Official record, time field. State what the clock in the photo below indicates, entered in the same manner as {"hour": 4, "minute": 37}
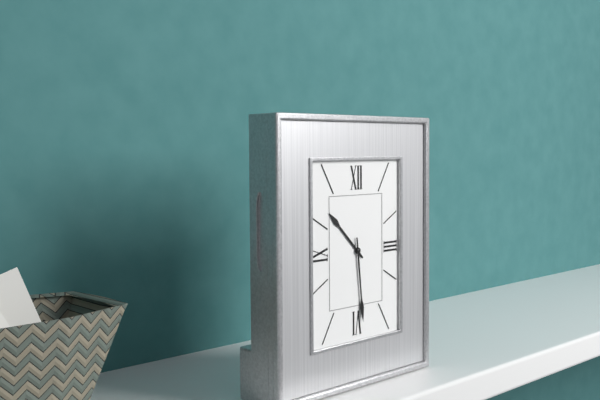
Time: {"hour": 10, "minute": 29}
